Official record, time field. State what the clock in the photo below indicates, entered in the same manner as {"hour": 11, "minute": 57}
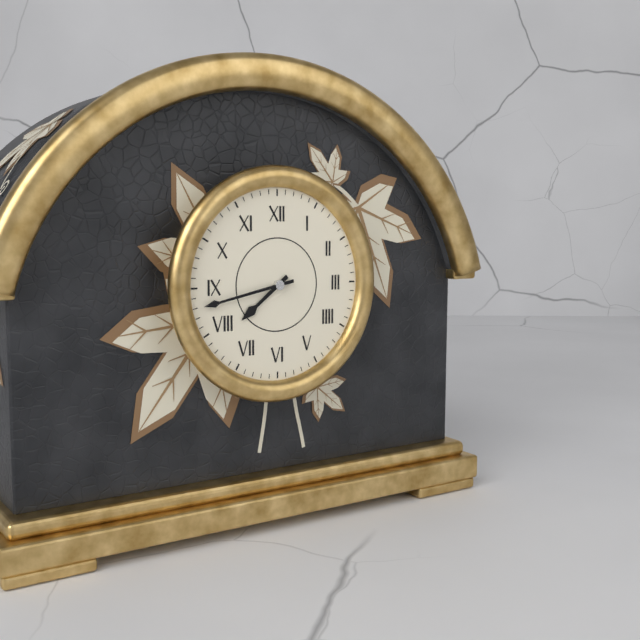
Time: {"hour": 7, "minute": 43}
